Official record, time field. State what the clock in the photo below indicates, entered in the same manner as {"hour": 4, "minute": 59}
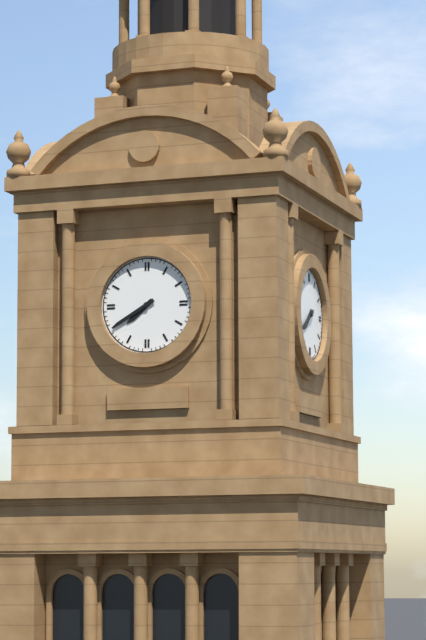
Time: {"hour": 7, "minute": 40}
